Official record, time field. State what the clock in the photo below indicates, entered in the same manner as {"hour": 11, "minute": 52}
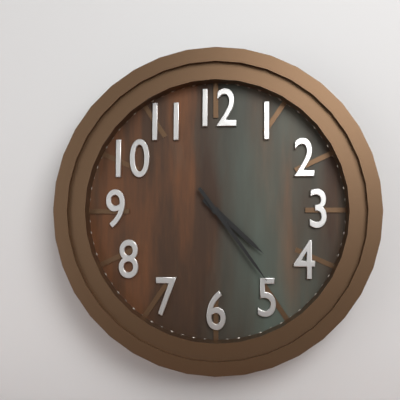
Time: {"hour": 4, "minute": 24}
